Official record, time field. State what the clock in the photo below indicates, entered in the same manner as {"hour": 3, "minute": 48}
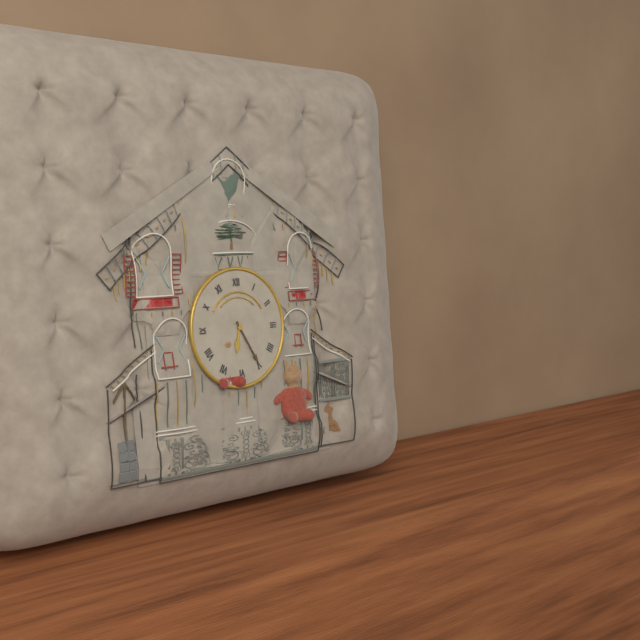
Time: {"hour": 6, "minute": 25}
